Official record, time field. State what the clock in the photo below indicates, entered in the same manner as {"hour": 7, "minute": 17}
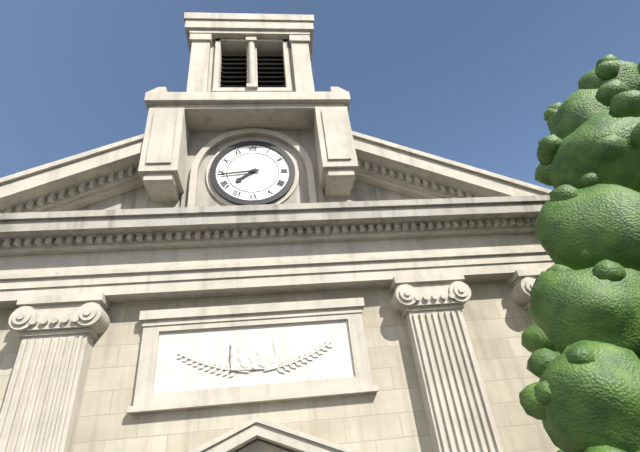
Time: {"hour": 7, "minute": 44}
